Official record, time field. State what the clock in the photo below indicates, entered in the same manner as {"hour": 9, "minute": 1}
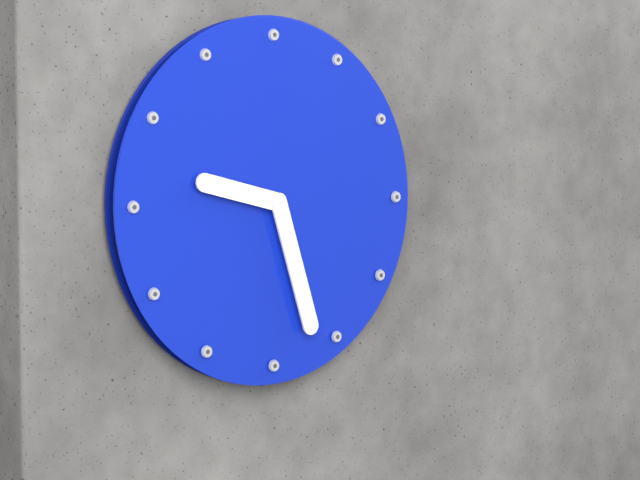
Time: {"hour": 9, "minute": 27}
